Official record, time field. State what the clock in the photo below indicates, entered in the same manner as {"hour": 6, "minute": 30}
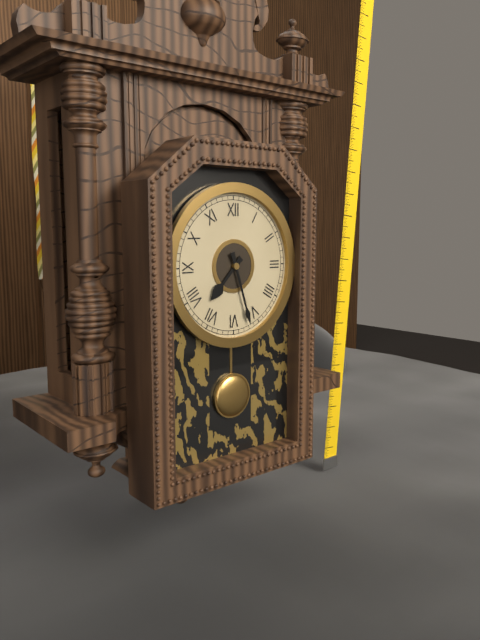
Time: {"hour": 7, "minute": 27}
